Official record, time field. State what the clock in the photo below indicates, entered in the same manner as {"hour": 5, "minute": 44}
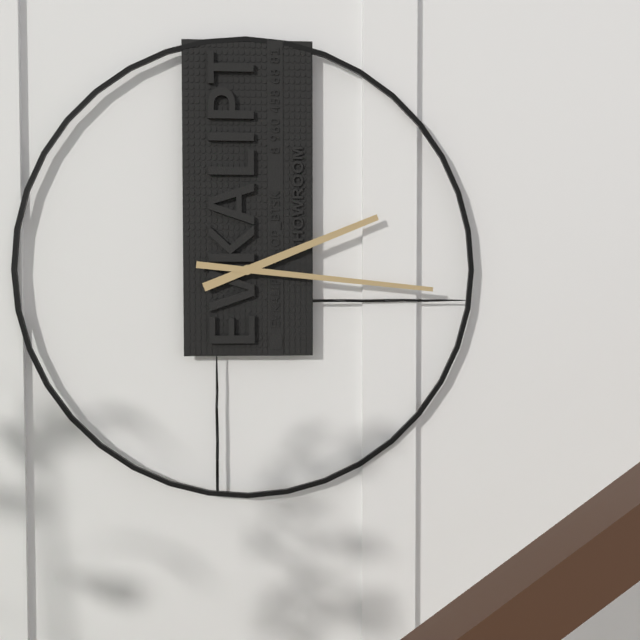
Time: {"hour": 2, "minute": 16}
